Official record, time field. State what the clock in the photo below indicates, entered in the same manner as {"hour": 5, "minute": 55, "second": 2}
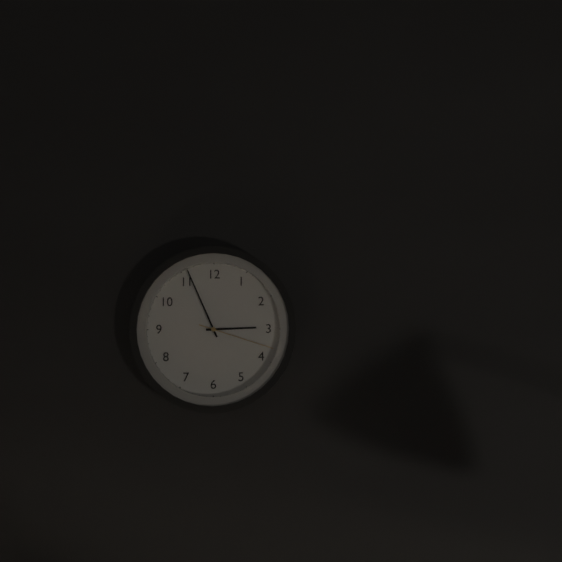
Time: {"hour": 2, "minute": 56, "second": 18}
